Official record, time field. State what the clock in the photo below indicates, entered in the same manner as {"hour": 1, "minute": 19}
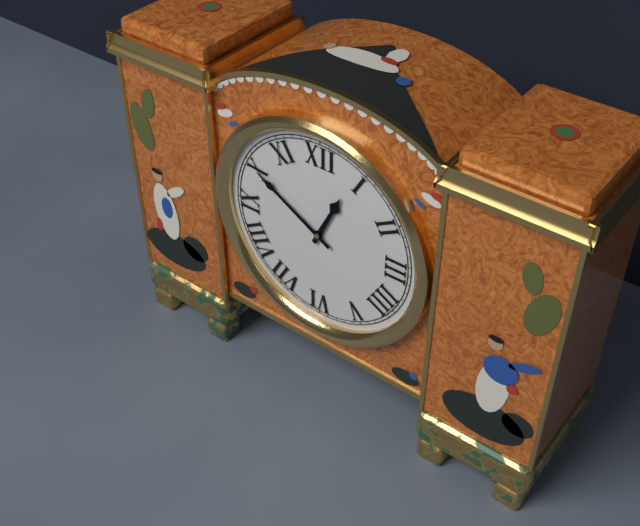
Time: {"hour": 12, "minute": 50}
